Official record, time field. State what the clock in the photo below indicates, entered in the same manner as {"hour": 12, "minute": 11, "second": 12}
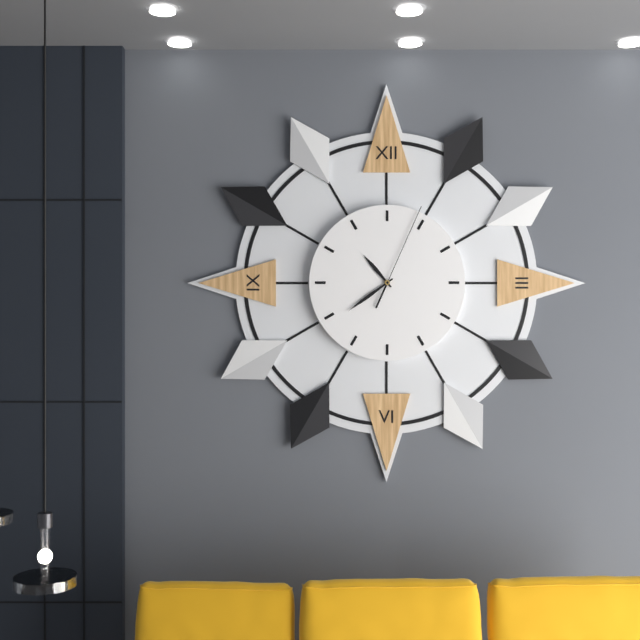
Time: {"hour": 10, "minute": 39, "second": 4}
